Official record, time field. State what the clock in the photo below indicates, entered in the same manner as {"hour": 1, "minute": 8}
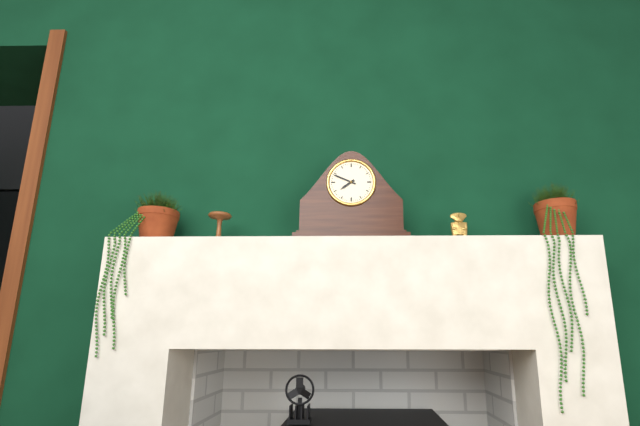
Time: {"hour": 7, "minute": 49}
